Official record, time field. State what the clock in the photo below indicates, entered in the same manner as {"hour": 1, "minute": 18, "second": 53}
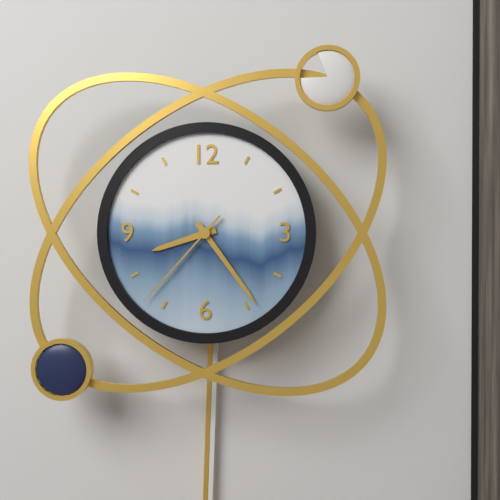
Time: {"hour": 8, "minute": 24, "second": 37}
